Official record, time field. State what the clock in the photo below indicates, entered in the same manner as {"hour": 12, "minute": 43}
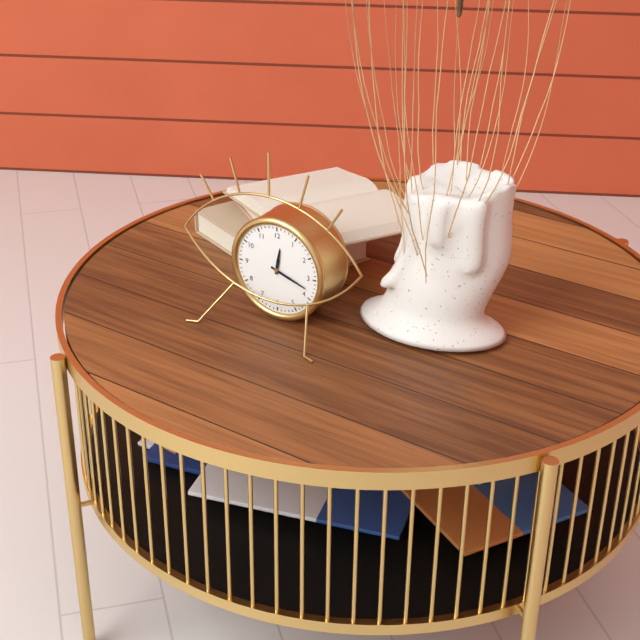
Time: {"hour": 12, "minute": 18}
